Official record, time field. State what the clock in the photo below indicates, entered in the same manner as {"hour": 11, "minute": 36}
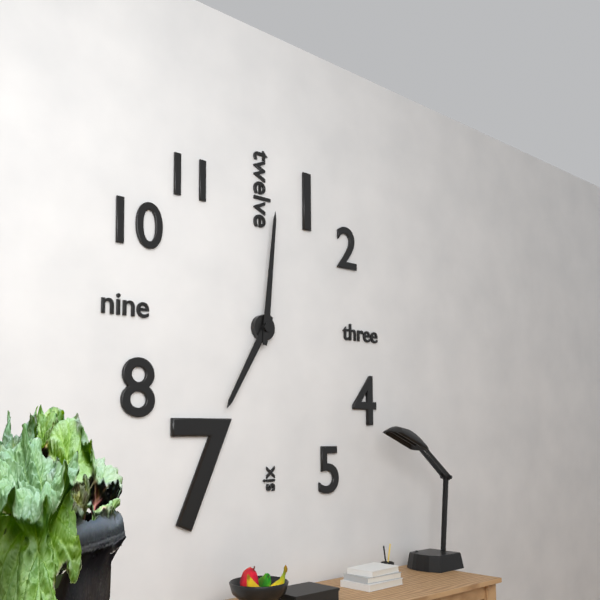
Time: {"hour": 7, "minute": 1}
